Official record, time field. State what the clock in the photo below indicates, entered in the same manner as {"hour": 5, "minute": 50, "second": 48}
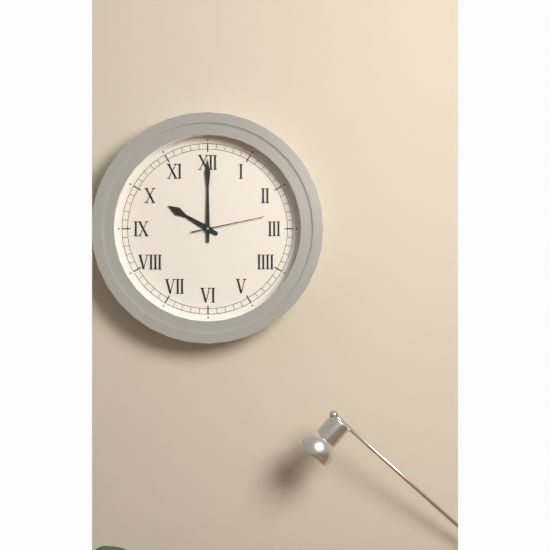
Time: {"hour": 10, "minute": 0, "second": 13}
